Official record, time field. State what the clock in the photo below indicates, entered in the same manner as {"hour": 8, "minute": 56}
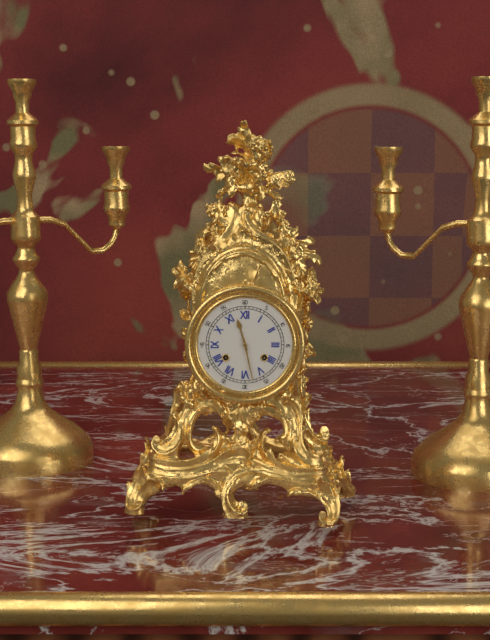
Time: {"hour": 11, "minute": 28}
